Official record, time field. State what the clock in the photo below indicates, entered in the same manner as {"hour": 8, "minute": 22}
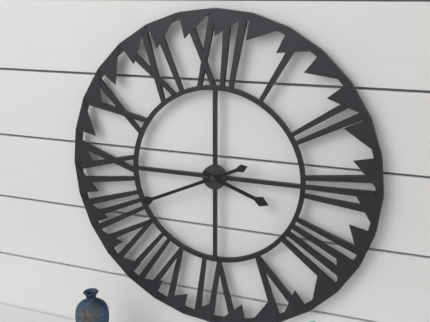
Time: {"hour": 3, "minute": 41}
